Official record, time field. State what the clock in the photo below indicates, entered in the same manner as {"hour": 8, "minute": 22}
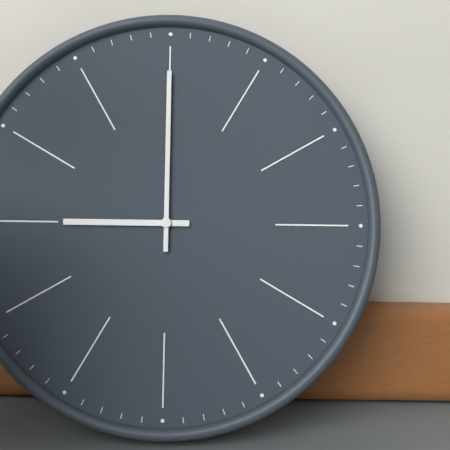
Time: {"hour": 9, "minute": 0}
